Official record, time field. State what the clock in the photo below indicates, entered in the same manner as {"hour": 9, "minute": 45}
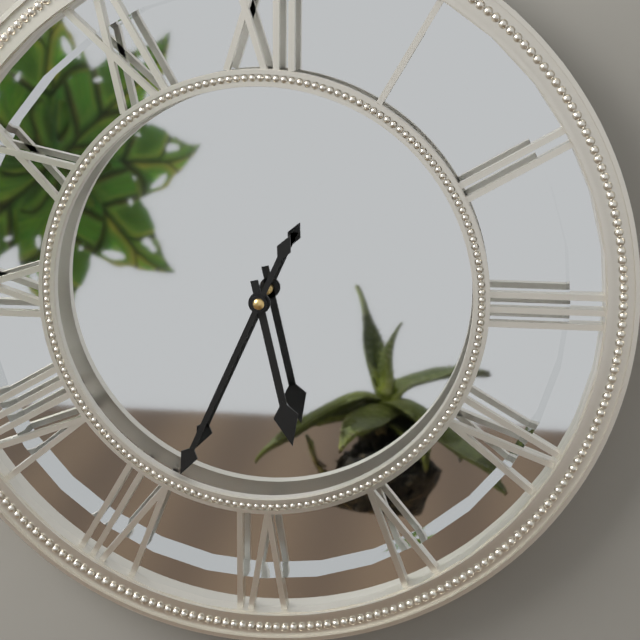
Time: {"hour": 5, "minute": 34}
